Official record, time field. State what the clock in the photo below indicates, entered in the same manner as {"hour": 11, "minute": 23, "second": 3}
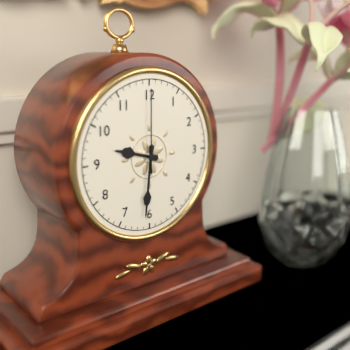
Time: {"hour": 9, "minute": 31, "second": 0}
